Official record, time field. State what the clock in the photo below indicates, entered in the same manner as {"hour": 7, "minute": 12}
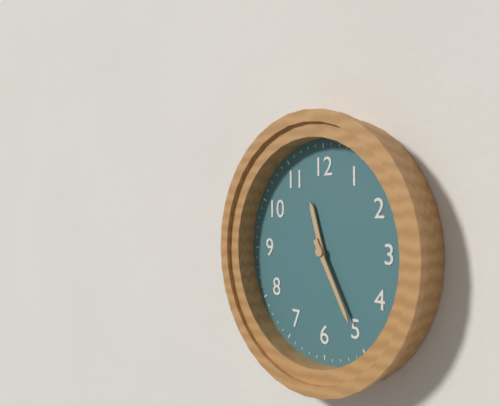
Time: {"hour": 11, "minute": 25}
